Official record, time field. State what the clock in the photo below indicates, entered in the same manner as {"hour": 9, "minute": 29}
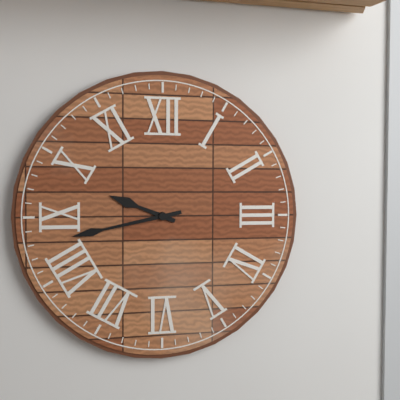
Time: {"hour": 9, "minute": 43}
